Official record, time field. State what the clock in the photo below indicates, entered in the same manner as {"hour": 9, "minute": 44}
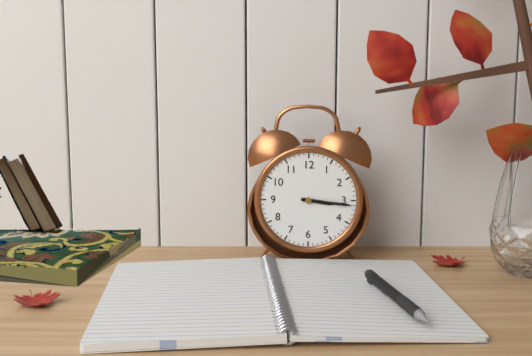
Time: {"hour": 3, "minute": 16}
